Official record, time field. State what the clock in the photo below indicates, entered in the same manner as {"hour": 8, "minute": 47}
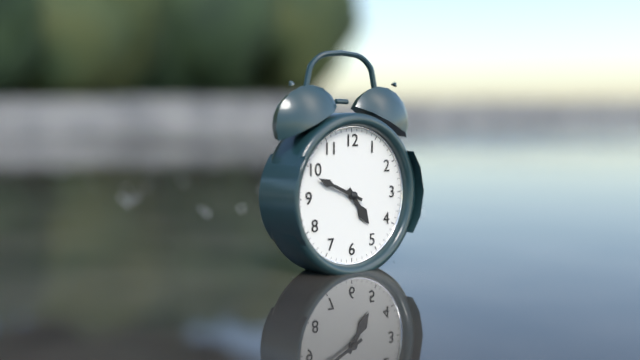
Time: {"hour": 4, "minute": 49}
